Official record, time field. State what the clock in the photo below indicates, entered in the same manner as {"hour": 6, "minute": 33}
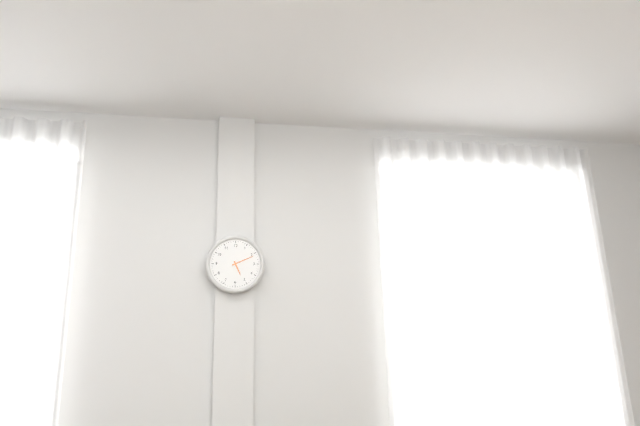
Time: {"hour": 5, "minute": 11}
